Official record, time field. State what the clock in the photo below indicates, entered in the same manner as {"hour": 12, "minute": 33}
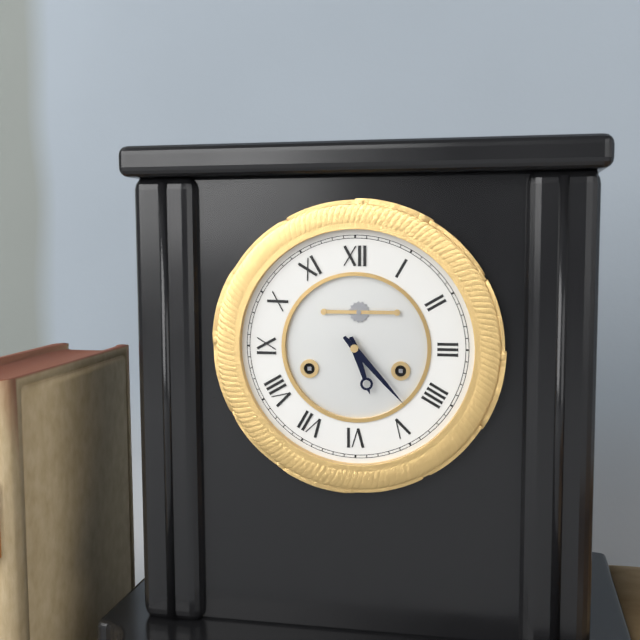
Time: {"hour": 5, "minute": 23}
